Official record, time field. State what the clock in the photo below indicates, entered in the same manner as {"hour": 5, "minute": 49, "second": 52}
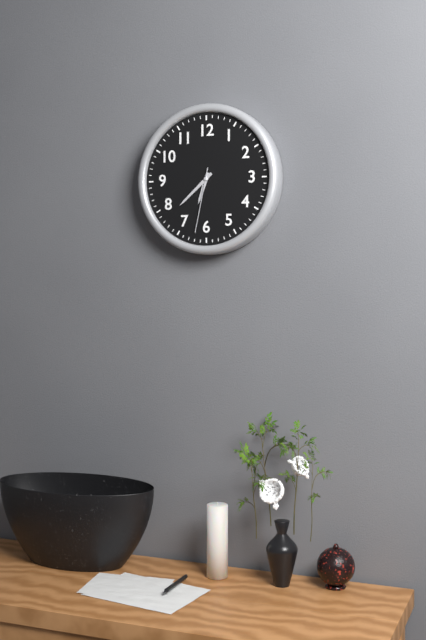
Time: {"hour": 6, "minute": 38, "second": 32}
